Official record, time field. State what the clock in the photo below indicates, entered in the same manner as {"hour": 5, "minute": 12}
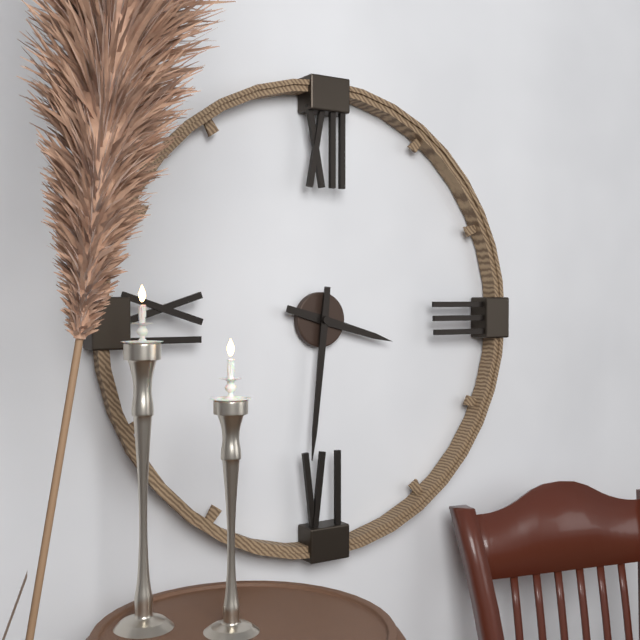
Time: {"hour": 3, "minute": 31}
